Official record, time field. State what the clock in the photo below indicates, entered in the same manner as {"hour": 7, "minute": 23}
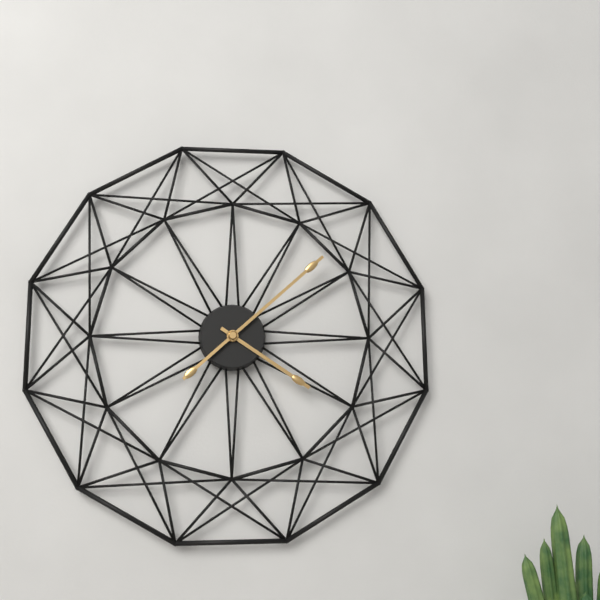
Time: {"hour": 4, "minute": 8}
